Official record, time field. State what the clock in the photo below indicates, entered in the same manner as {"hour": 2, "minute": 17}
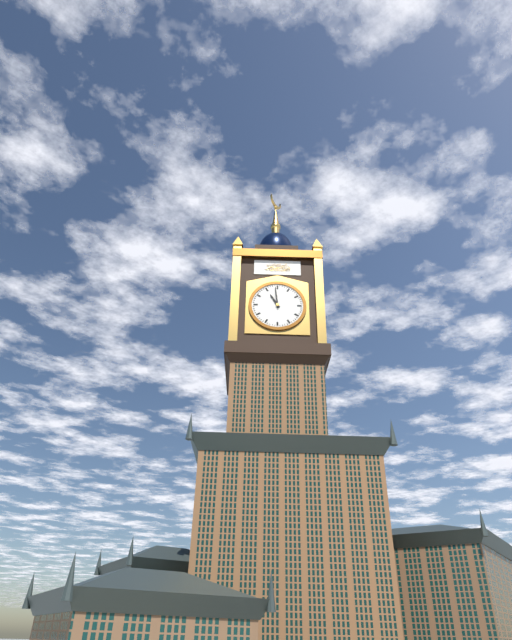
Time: {"hour": 10, "minute": 59}
